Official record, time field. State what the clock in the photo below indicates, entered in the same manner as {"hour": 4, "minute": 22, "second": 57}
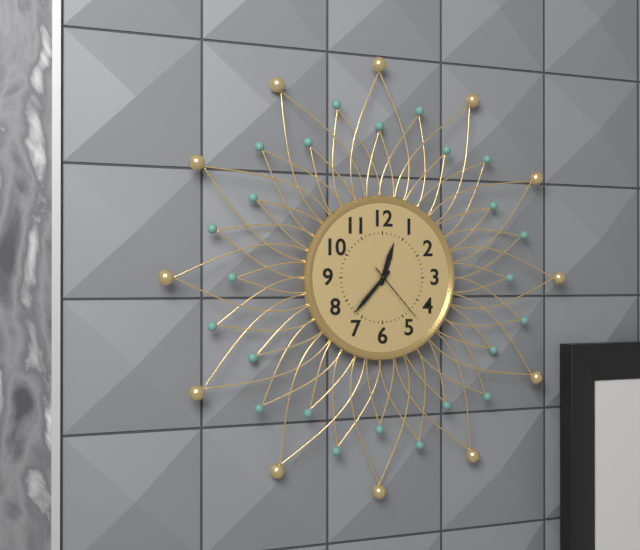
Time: {"hour": 12, "minute": 37, "second": 23}
